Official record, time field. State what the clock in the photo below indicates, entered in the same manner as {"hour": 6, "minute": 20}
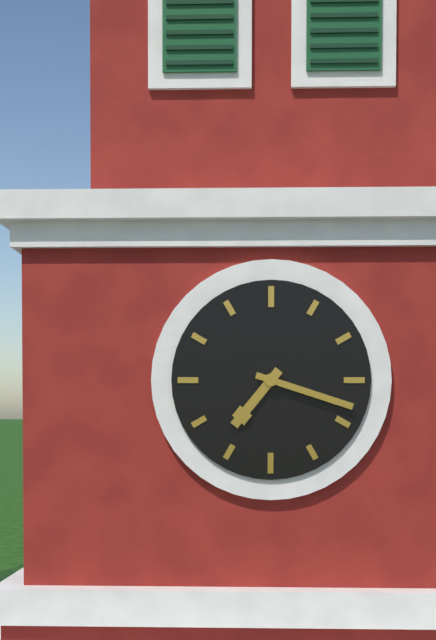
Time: {"hour": 7, "minute": 18}
